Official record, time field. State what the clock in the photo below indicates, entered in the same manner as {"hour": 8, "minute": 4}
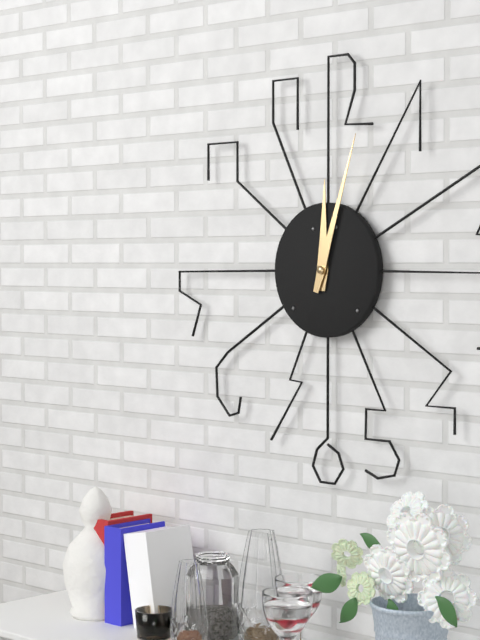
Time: {"hour": 12, "minute": 3}
